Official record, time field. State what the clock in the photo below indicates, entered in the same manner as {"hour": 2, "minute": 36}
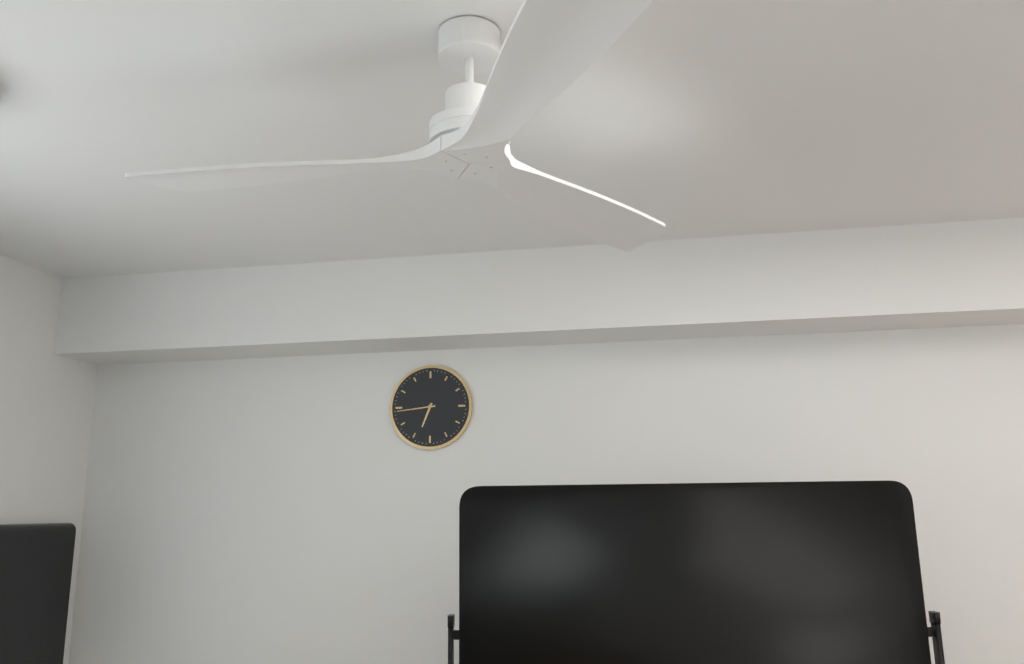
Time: {"hour": 6, "minute": 44}
